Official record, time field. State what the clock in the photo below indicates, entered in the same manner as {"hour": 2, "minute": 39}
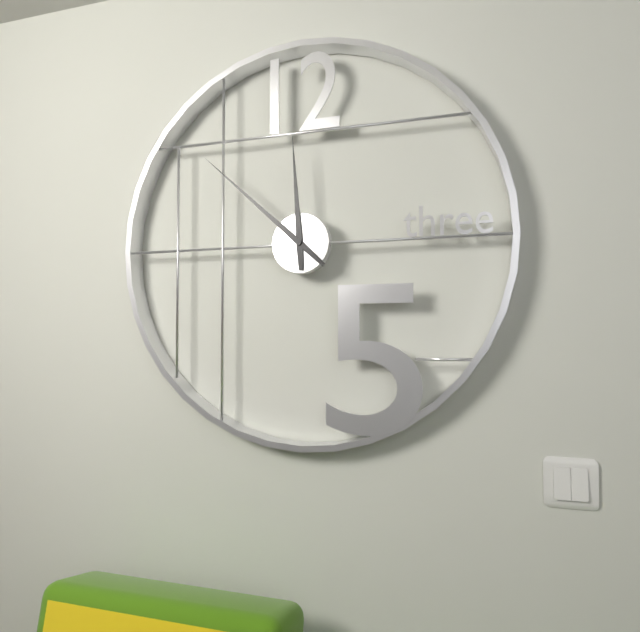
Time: {"hour": 11, "minute": 52}
